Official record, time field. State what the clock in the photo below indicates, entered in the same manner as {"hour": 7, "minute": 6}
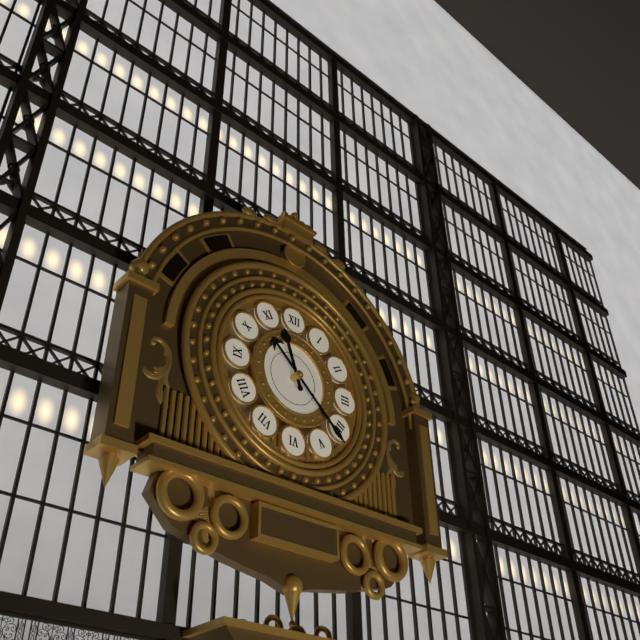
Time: {"hour": 11, "minute": 22}
